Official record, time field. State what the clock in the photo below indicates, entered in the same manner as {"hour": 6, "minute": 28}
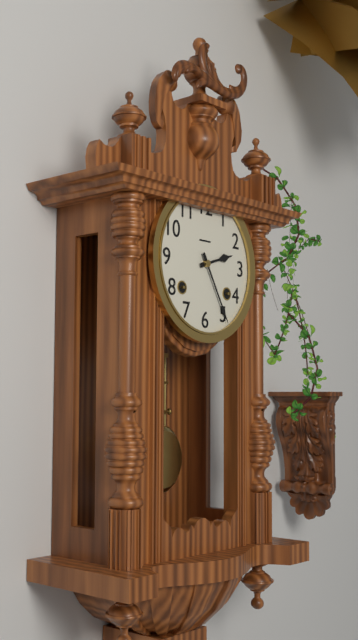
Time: {"hour": 2, "minute": 25}
